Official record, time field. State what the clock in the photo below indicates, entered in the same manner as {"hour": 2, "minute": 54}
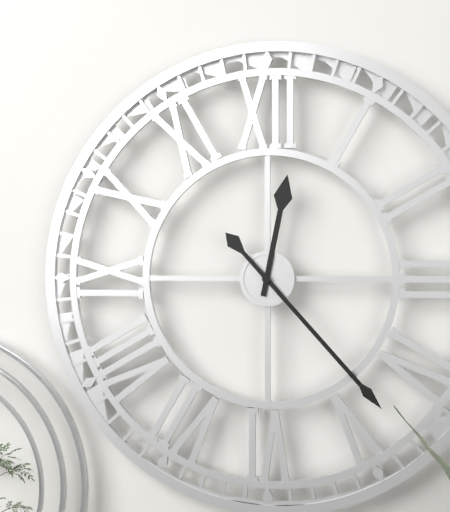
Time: {"hour": 12, "minute": 23}
